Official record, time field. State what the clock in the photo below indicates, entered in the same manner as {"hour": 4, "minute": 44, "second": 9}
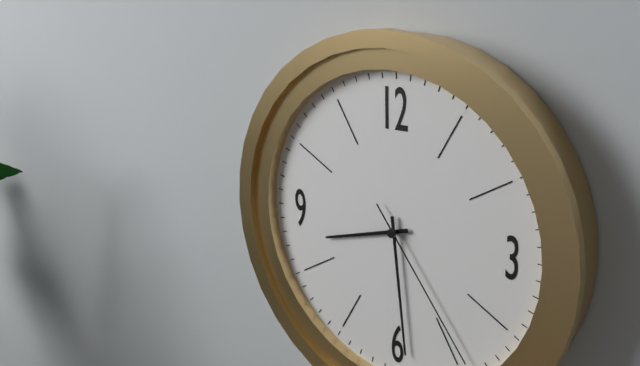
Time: {"hour": 8, "minute": 29, "second": 24}
